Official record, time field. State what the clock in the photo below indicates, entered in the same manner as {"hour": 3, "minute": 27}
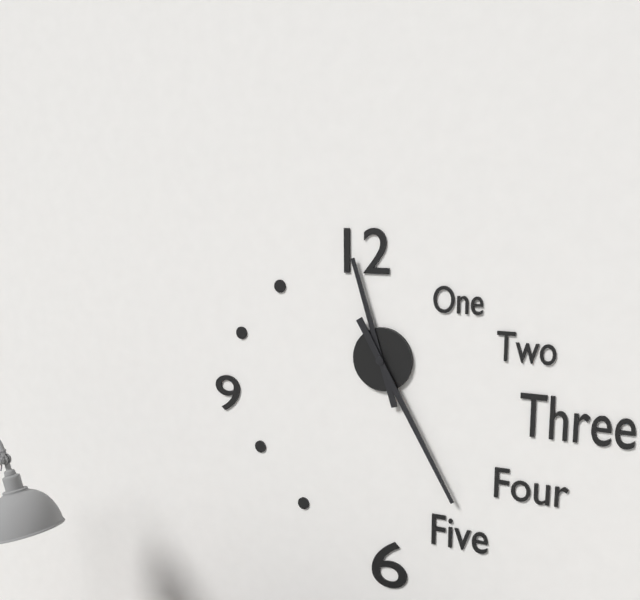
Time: {"hour": 11, "minute": 25}
